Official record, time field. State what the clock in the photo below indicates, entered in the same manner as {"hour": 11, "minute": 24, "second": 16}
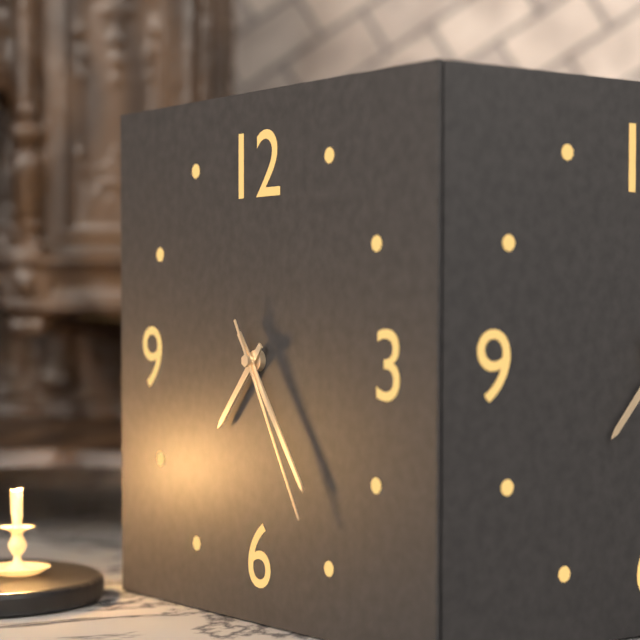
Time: {"hour": 7, "minute": 24, "second": 25}
